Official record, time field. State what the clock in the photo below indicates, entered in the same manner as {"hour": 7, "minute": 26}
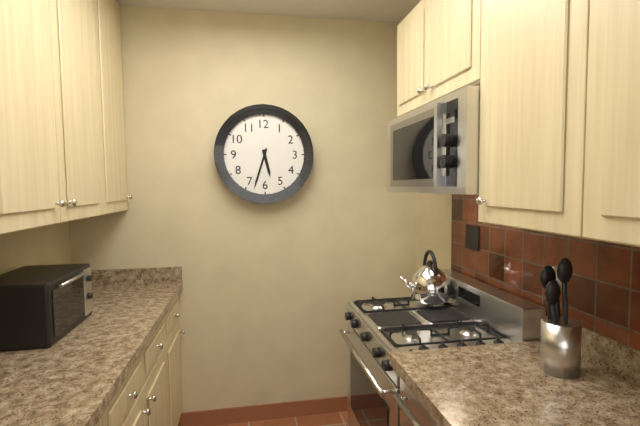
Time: {"hour": 5, "minute": 33}
